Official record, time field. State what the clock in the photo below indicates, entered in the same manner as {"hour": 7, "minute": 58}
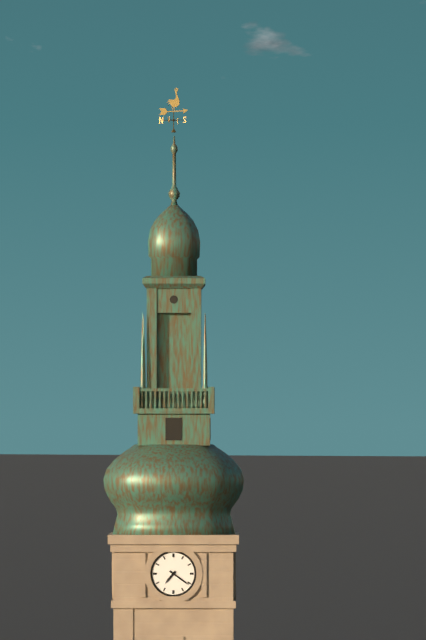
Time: {"hour": 7, "minute": 21}
